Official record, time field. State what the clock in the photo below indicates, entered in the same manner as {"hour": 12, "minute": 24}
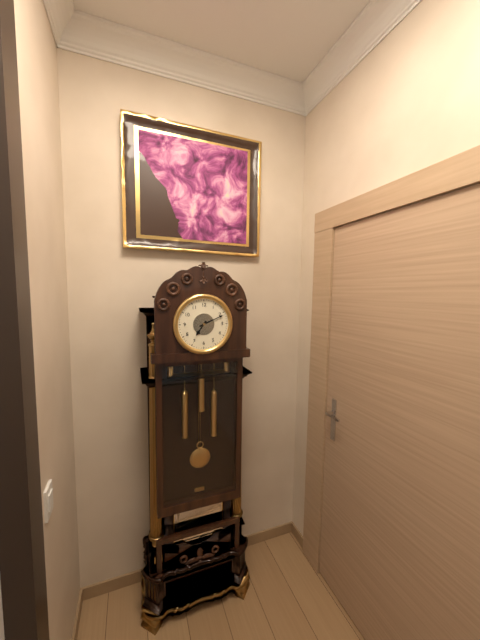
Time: {"hour": 7, "minute": 11}
